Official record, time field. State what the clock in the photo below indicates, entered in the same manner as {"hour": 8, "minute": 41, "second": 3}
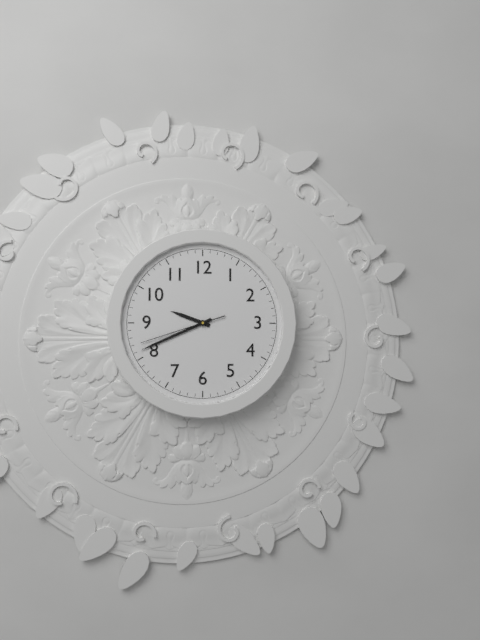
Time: {"hour": 9, "minute": 41, "second": 42}
